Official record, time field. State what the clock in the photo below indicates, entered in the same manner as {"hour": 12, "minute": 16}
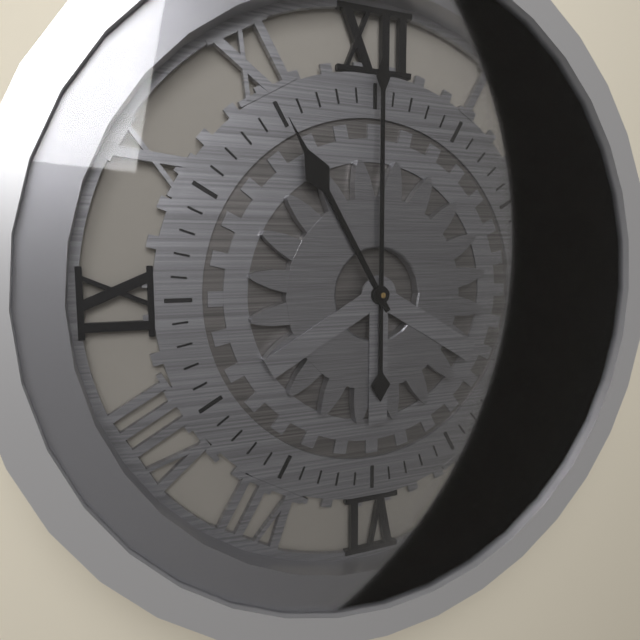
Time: {"hour": 11, "minute": 0}
